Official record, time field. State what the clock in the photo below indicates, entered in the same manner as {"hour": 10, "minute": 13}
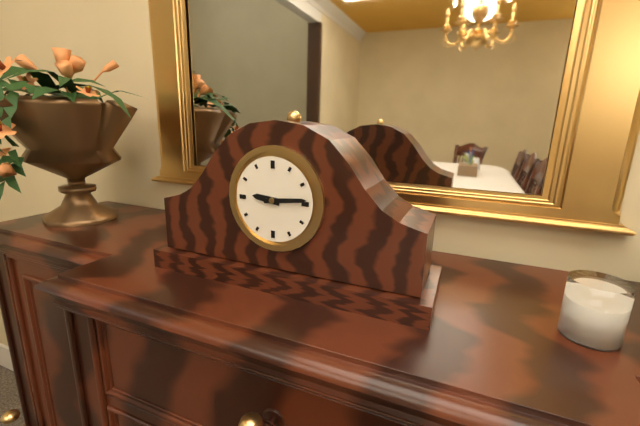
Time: {"hour": 9, "minute": 14}
